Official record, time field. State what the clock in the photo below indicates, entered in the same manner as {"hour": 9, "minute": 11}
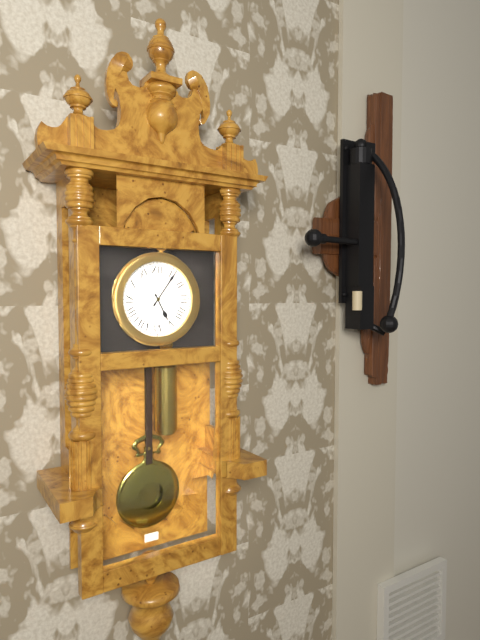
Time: {"hour": 5, "minute": 6}
